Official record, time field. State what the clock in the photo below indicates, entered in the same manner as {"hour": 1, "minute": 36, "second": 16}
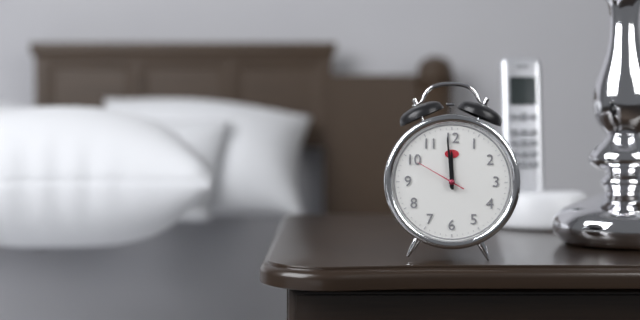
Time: {"hour": 11, "minute": 59, "second": 50}
